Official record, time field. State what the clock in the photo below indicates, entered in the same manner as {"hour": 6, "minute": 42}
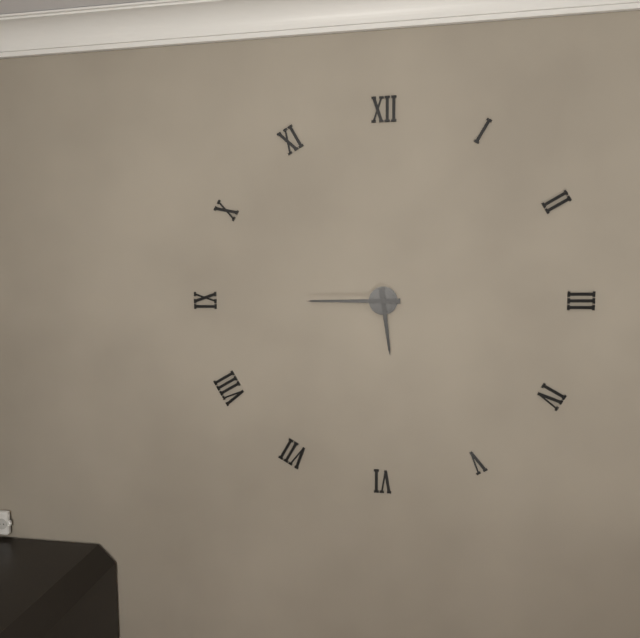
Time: {"hour": 5, "minute": 45}
